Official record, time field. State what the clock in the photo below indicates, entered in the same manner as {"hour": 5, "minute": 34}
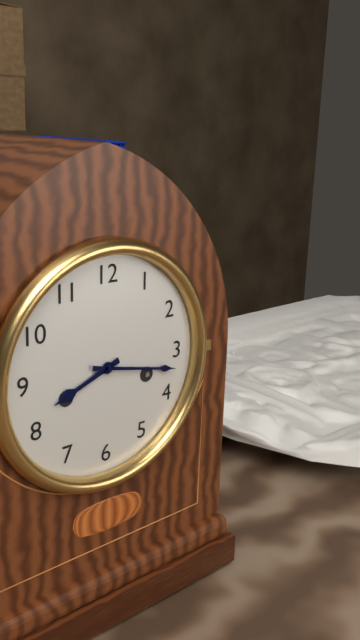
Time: {"hour": 8, "minute": 17}
